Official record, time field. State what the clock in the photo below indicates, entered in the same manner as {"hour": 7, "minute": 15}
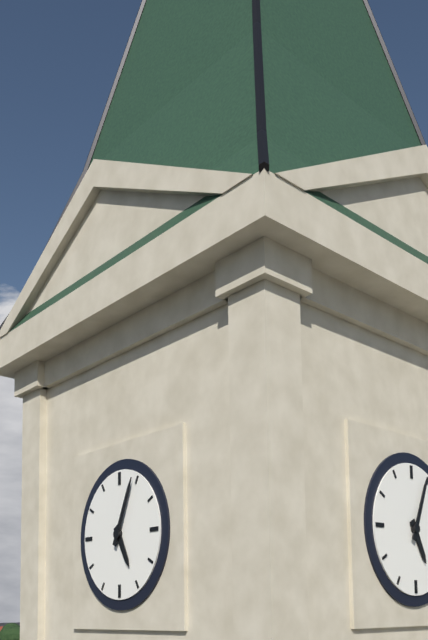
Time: {"hour": 5, "minute": 4}
